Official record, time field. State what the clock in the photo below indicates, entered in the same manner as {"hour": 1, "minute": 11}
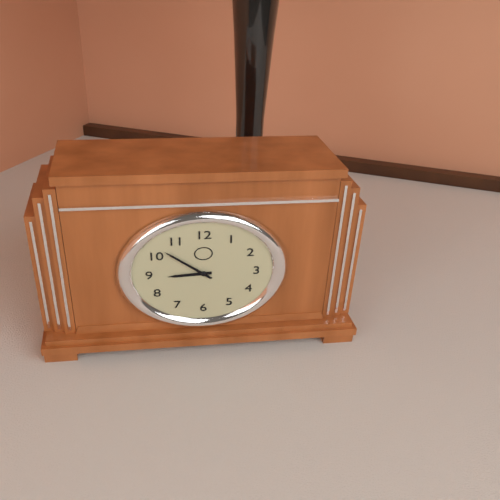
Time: {"hour": 8, "minute": 52}
